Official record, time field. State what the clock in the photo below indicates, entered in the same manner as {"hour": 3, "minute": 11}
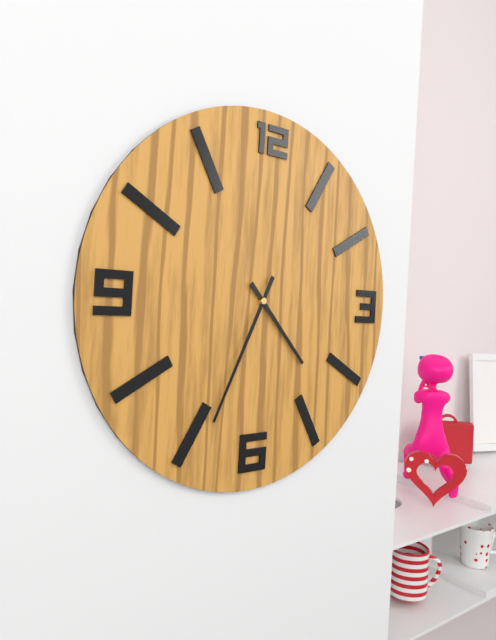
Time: {"hour": 4, "minute": 34}
